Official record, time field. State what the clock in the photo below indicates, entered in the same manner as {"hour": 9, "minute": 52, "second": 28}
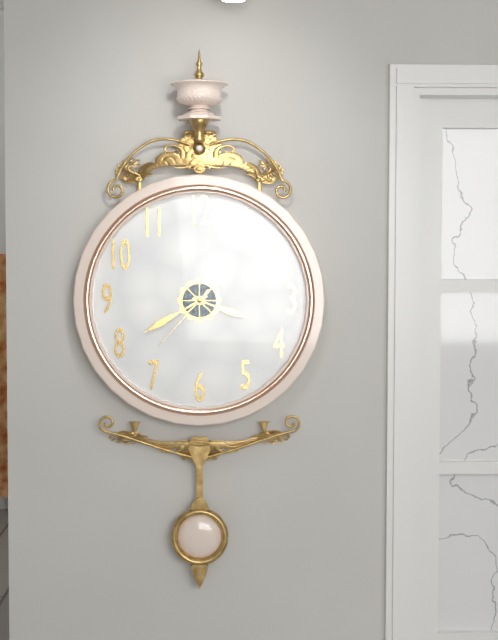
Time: {"hour": 3, "minute": 40, "second": 37}
